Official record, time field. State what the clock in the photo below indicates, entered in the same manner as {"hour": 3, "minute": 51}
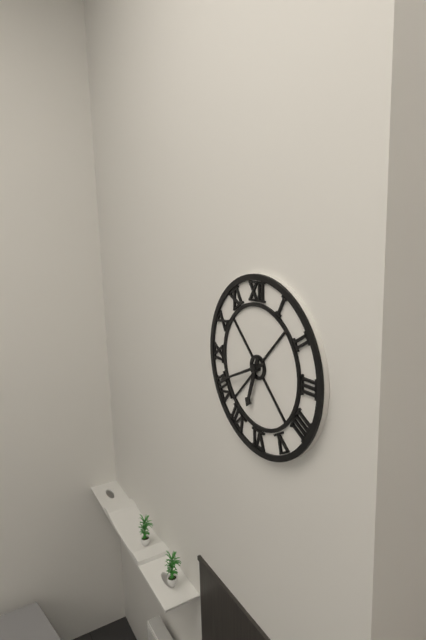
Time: {"hour": 6, "minute": 41}
